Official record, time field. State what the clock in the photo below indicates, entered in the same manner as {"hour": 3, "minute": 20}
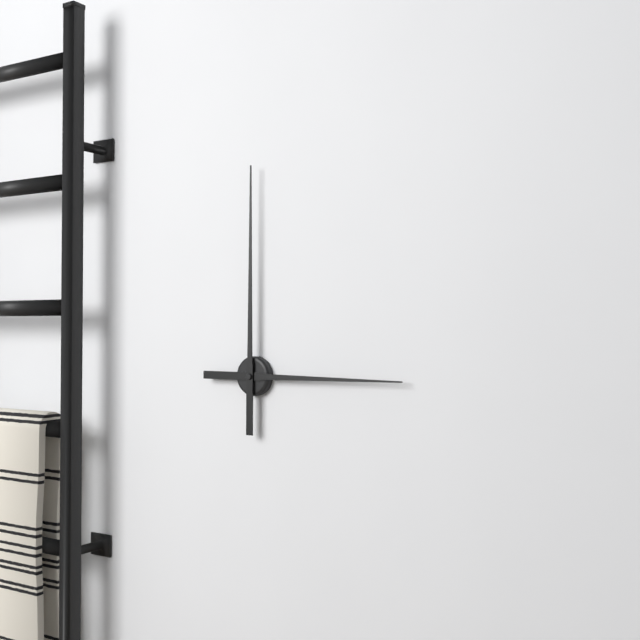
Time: {"hour": 3, "minute": 0}
